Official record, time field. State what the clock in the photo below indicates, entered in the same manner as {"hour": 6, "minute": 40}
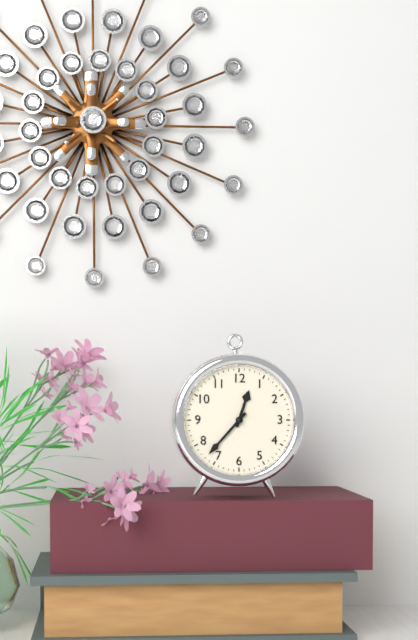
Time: {"hour": 12, "minute": 37}
